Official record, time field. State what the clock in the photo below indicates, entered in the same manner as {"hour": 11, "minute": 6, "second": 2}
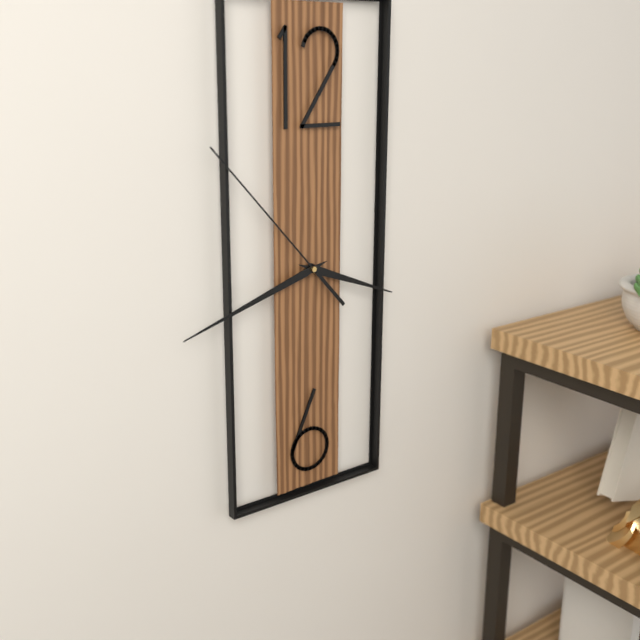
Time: {"hour": 3, "minute": 42, "second": 53}
